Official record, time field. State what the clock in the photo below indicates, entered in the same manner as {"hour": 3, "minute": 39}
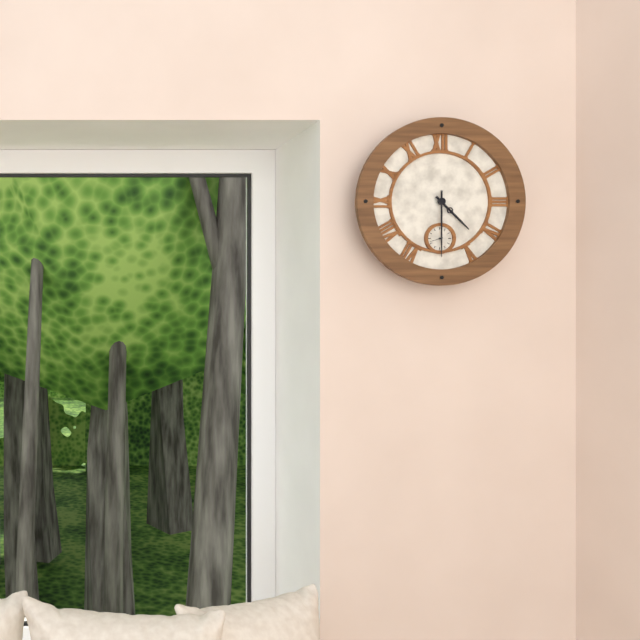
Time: {"hour": 4, "minute": 30}
